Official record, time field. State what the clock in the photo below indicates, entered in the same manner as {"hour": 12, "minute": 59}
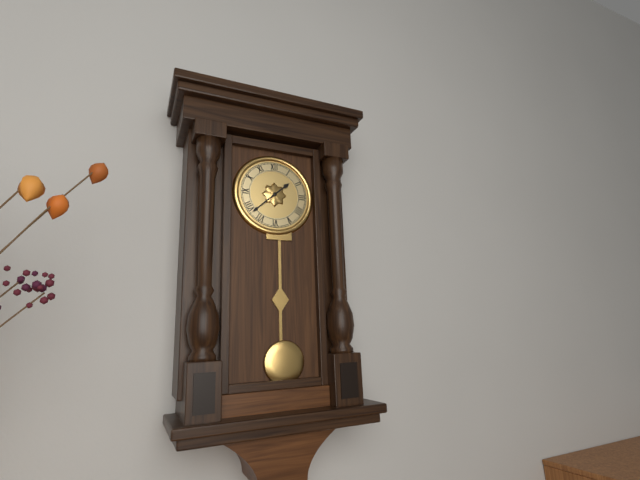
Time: {"hour": 1, "minute": 38}
